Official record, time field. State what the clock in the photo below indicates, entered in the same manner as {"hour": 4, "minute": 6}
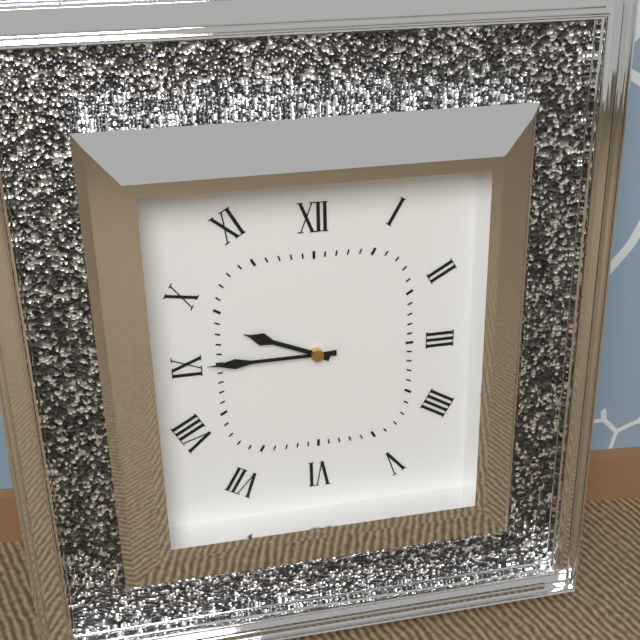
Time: {"hour": 9, "minute": 45}
